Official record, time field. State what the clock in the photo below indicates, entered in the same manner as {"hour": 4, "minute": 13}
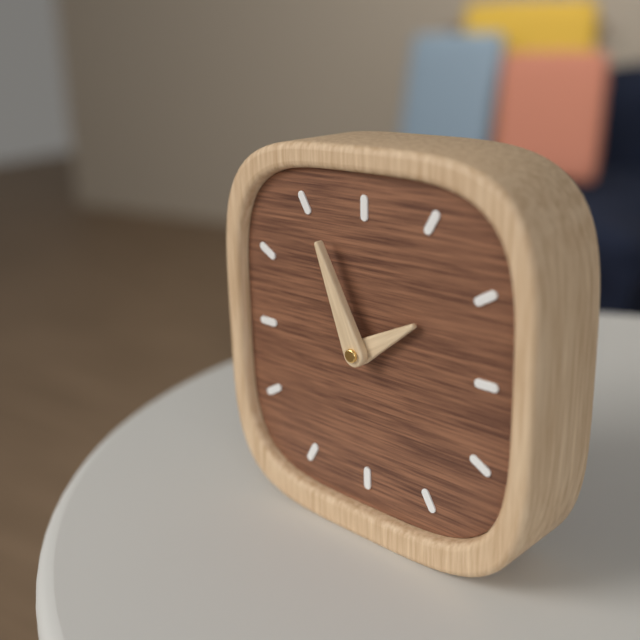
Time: {"hour": 1, "minute": 56}
